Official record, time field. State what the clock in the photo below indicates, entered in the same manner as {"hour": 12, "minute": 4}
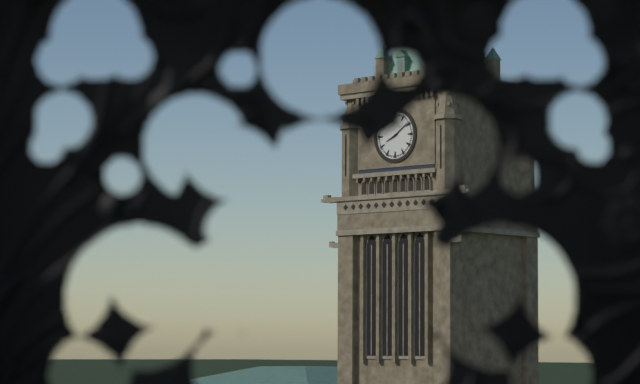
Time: {"hour": 8, "minute": 9}
